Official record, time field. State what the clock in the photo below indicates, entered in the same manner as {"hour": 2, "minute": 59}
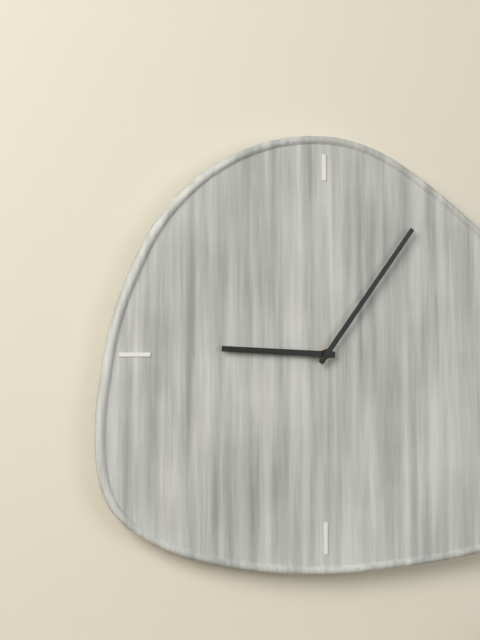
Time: {"hour": 9, "minute": 6}
